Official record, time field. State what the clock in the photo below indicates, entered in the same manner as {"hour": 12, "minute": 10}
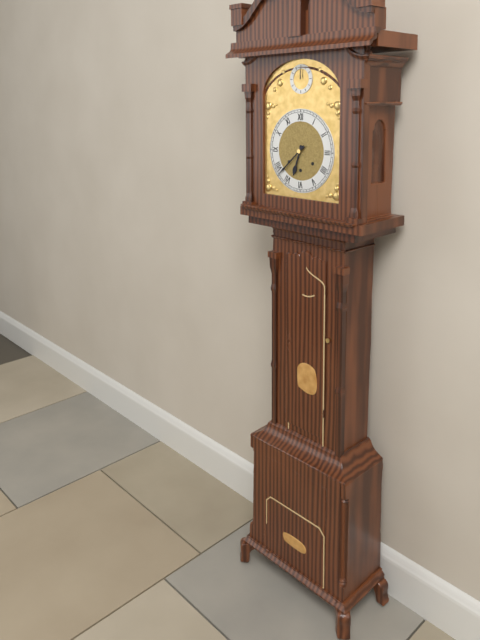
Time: {"hour": 6, "minute": 38}
